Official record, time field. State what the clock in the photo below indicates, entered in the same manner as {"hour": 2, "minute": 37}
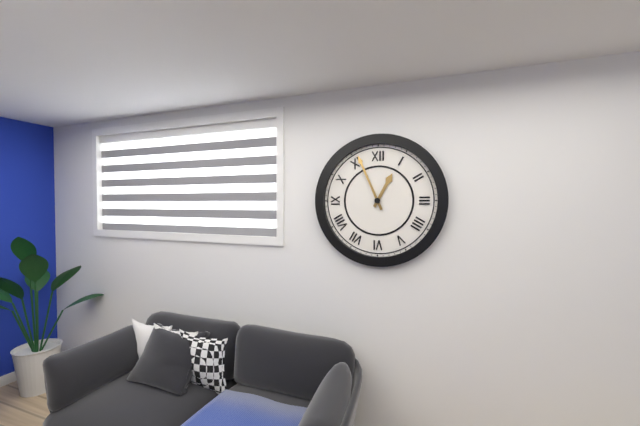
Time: {"hour": 12, "minute": 56}
